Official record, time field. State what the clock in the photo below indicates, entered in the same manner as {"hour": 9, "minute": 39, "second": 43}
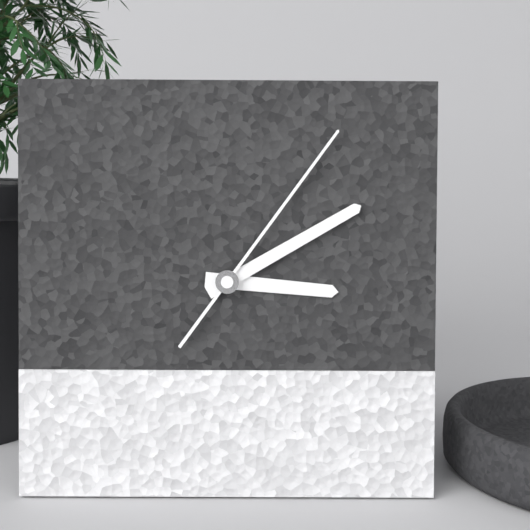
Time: {"hour": 3, "minute": 10, "second": 6}
